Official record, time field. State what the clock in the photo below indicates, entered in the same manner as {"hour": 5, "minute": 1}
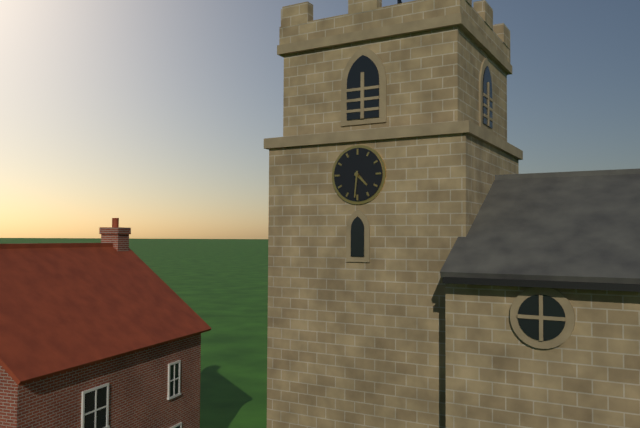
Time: {"hour": 4, "minute": 31}
